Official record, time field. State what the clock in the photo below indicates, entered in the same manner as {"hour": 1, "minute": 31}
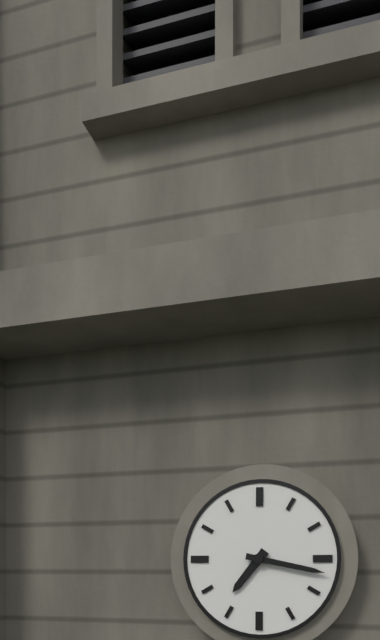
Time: {"hour": 7, "minute": 17}
